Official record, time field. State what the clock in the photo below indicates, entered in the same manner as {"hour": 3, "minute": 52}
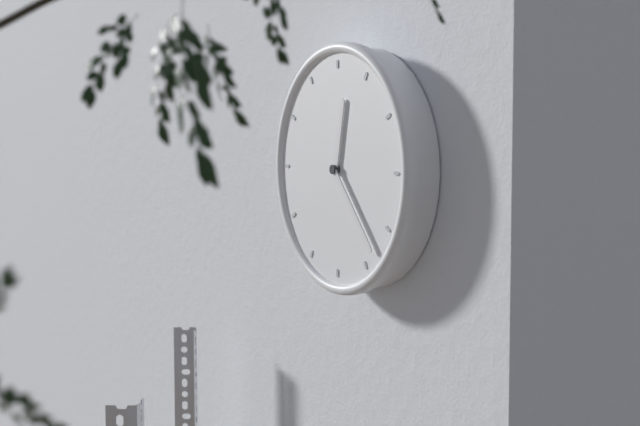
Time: {"hour": 12, "minute": 23}
